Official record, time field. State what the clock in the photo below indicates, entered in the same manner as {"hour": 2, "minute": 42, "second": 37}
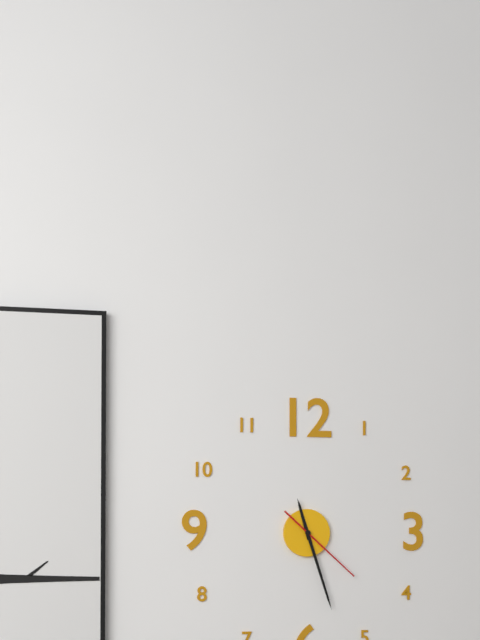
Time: {"hour": 11, "minute": 27, "second": 22}
